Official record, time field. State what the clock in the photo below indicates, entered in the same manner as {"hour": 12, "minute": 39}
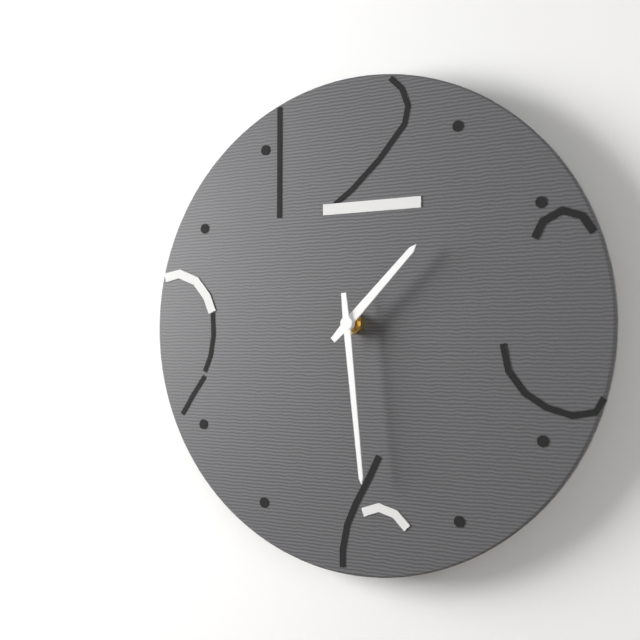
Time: {"hour": 1, "minute": 29}
